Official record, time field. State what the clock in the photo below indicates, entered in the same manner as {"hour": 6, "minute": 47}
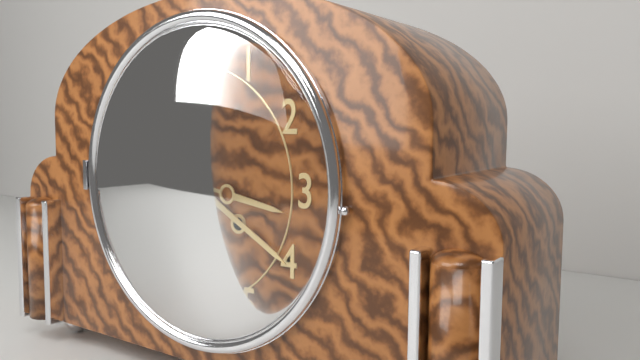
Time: {"hour": 3, "minute": 20}
